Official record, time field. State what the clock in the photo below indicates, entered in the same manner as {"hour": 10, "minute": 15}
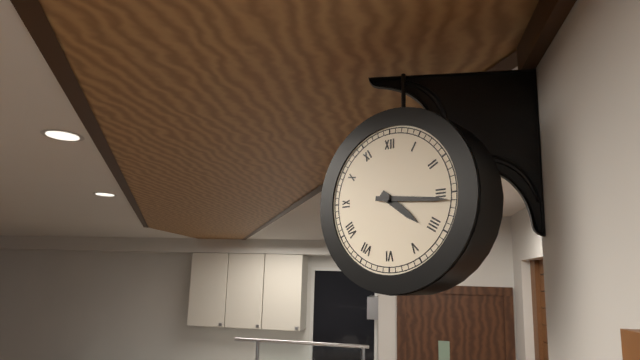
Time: {"hour": 4, "minute": 16}
